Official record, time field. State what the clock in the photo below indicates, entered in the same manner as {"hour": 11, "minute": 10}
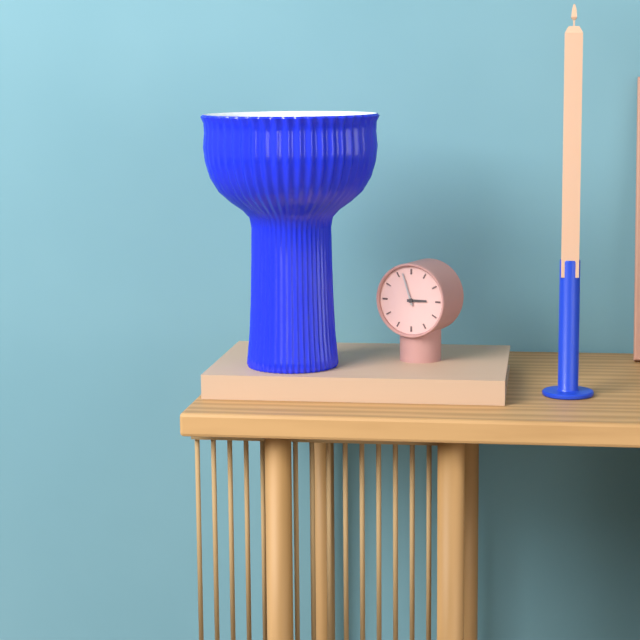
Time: {"hour": 2, "minute": 57}
